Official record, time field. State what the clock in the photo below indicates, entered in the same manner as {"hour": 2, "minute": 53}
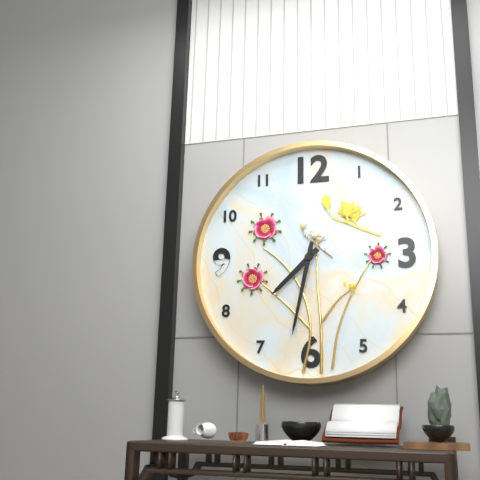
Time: {"hour": 7, "minute": 32}
